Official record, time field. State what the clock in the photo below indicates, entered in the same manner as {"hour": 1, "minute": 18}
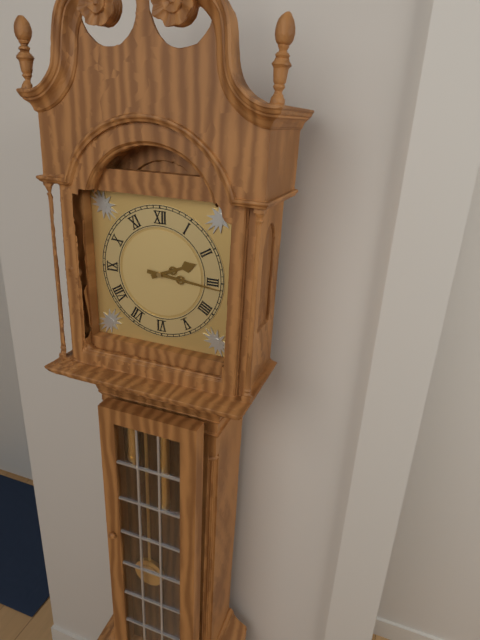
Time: {"hour": 2, "minute": 16}
